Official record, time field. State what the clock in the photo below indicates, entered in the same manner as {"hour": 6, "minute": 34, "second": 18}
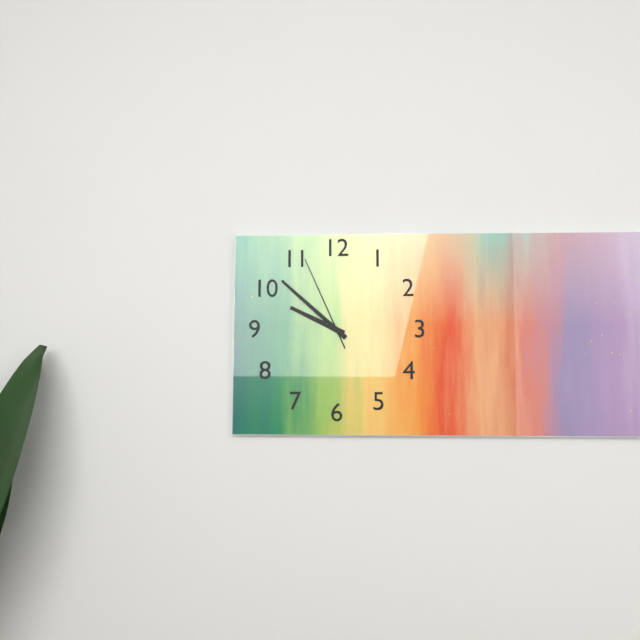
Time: {"hour": 9, "minute": 52, "second": 56}
